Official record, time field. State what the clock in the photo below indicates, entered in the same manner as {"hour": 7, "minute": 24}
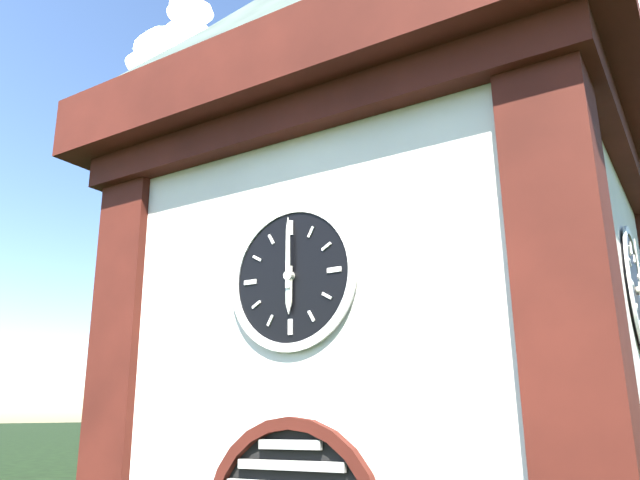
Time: {"hour": 6, "minute": 0}
